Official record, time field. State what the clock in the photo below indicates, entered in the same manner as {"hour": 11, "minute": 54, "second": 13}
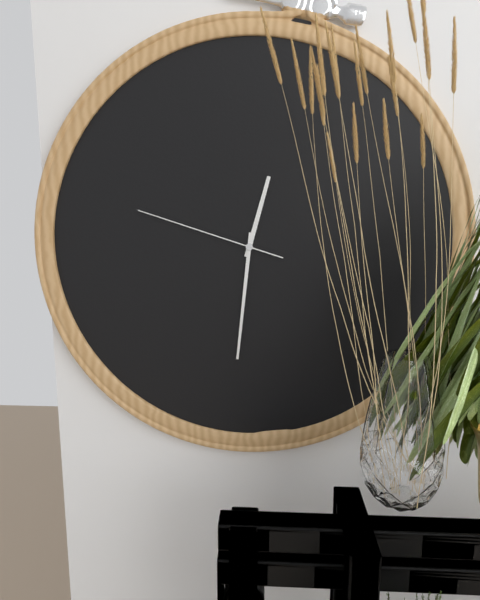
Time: {"hour": 12, "minute": 31, "second": 48}
